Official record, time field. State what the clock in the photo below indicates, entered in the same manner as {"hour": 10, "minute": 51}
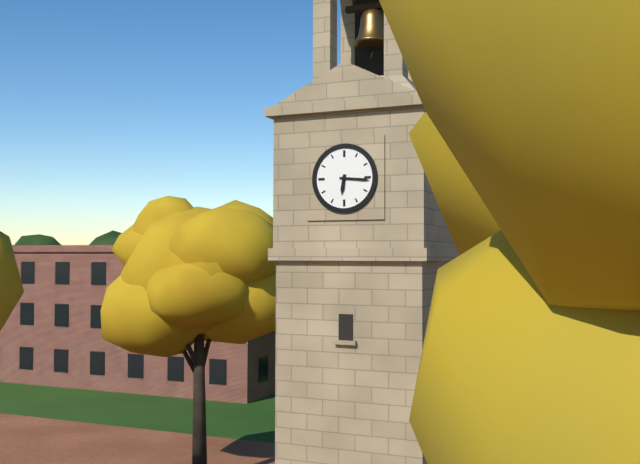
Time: {"hour": 6, "minute": 16}
